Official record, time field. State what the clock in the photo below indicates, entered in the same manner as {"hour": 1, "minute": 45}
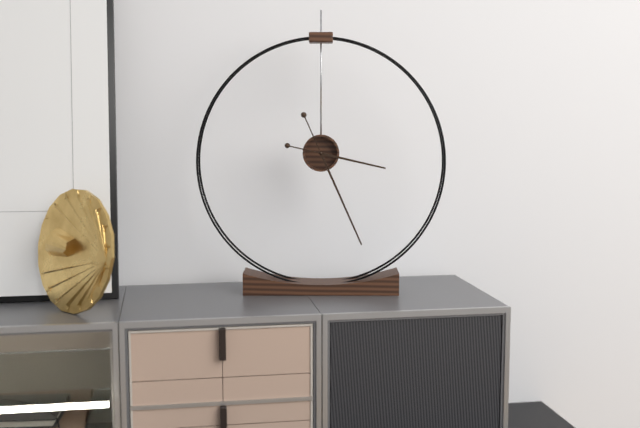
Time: {"hour": 3, "minute": 26}
